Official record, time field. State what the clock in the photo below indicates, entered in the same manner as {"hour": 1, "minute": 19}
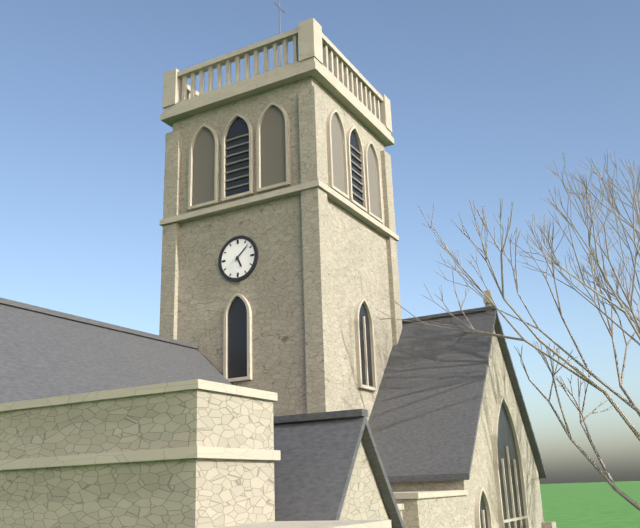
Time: {"hour": 5, "minute": 8}
